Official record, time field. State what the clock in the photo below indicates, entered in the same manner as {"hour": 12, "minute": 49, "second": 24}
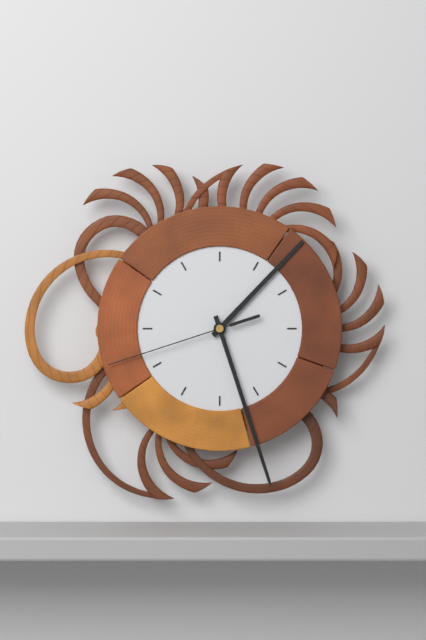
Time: {"hour": 1, "minute": 27, "second": 42}
